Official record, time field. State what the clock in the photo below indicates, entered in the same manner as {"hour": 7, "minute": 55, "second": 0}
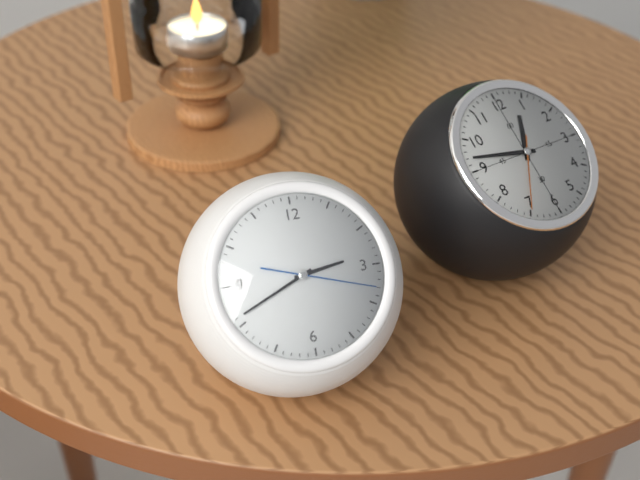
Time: {"hour": 2, "minute": 41, "second": 18}
